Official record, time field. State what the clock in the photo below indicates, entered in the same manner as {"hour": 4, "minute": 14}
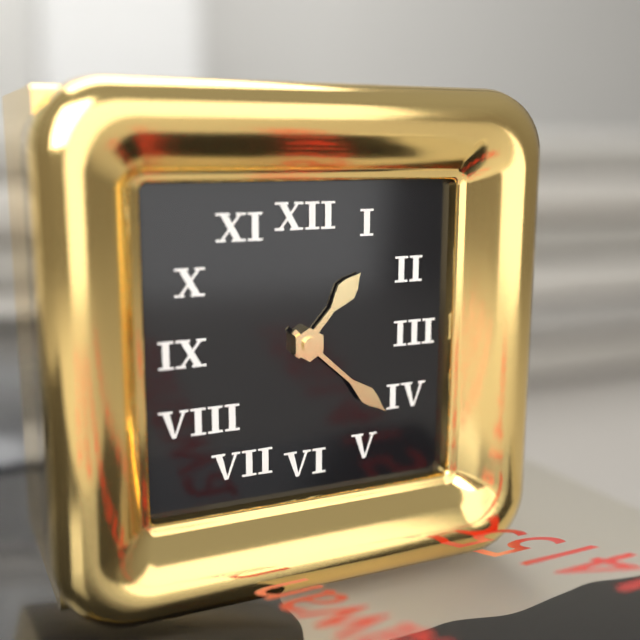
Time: {"hour": 1, "minute": 22}
